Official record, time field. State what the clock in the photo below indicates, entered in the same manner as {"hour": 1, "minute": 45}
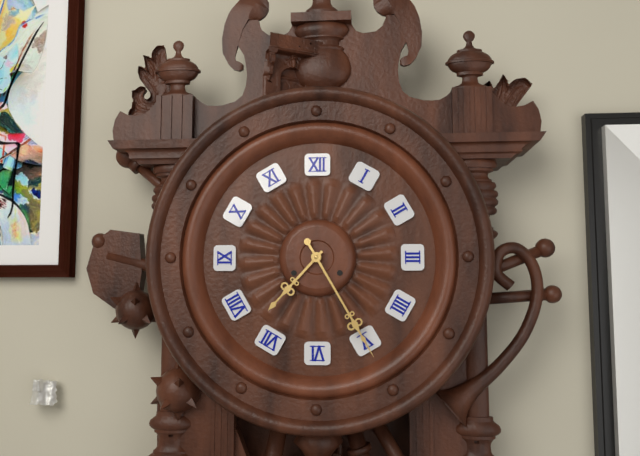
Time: {"hour": 7, "minute": 25}
